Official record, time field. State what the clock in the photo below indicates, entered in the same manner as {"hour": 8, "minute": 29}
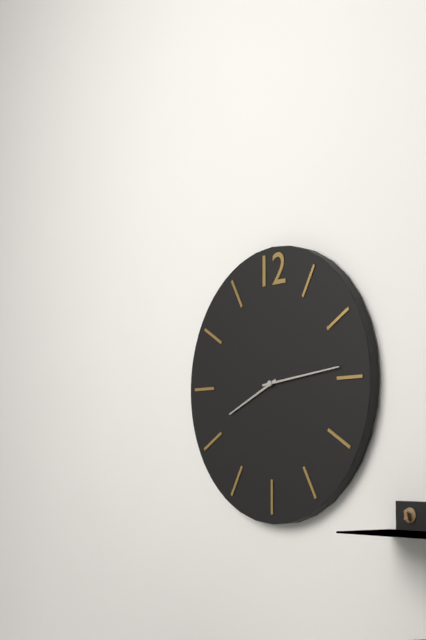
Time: {"hour": 8, "minute": 14}
